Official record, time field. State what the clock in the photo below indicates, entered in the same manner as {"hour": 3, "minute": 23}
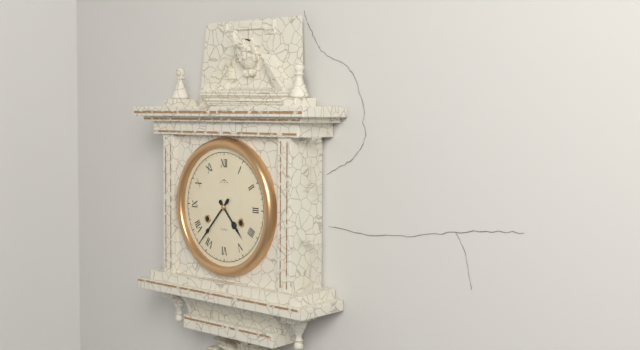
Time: {"hour": 4, "minute": 37}
